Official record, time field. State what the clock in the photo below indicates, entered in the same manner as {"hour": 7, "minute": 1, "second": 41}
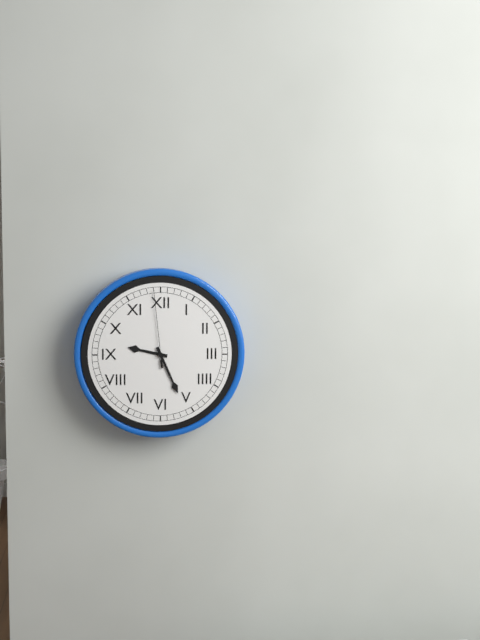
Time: {"hour": 9, "minute": 26, "second": 59}
